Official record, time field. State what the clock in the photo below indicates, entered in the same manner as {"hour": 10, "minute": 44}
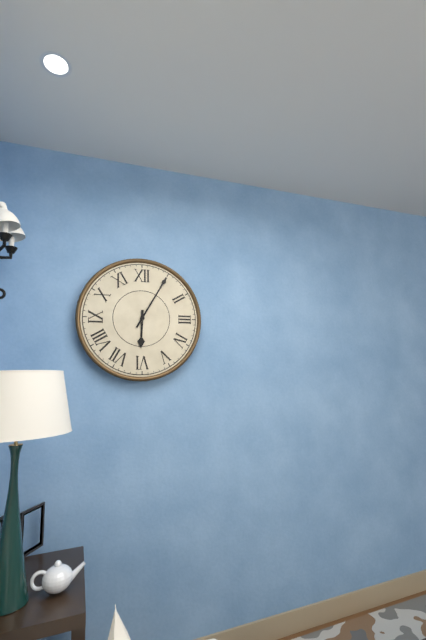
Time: {"hour": 6, "minute": 5}
